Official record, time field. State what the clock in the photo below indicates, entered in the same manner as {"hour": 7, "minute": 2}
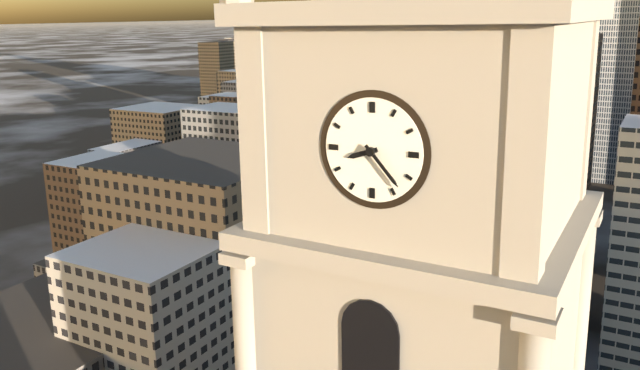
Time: {"hour": 8, "minute": 23}
